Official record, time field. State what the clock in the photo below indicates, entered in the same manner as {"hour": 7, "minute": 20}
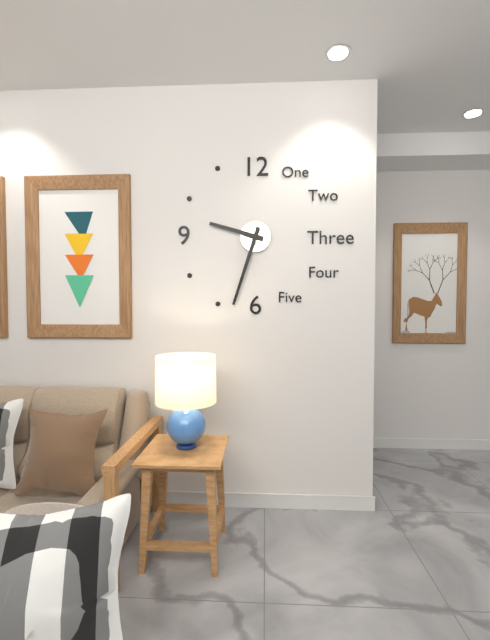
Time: {"hour": 9, "minute": 33}
